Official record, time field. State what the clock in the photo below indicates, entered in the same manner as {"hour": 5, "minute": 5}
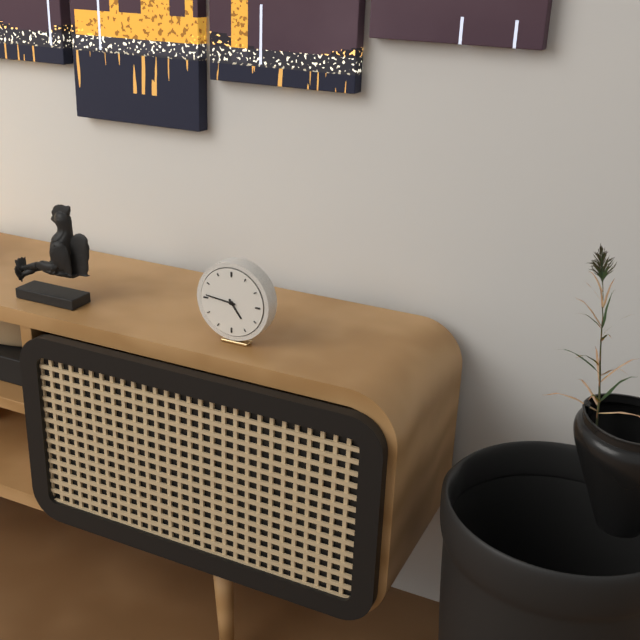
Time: {"hour": 4, "minute": 46}
